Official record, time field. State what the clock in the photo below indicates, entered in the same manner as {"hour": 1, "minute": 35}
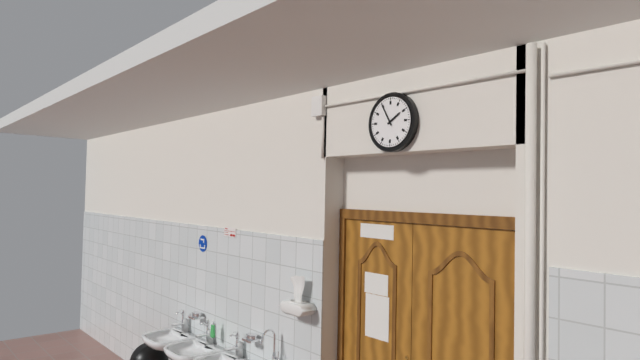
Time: {"hour": 1, "minute": 55}
